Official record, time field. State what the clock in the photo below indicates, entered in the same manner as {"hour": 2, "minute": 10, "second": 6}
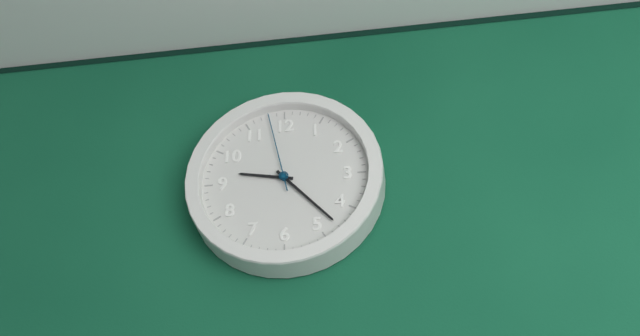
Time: {"hour": 9, "minute": 23, "second": 58}
